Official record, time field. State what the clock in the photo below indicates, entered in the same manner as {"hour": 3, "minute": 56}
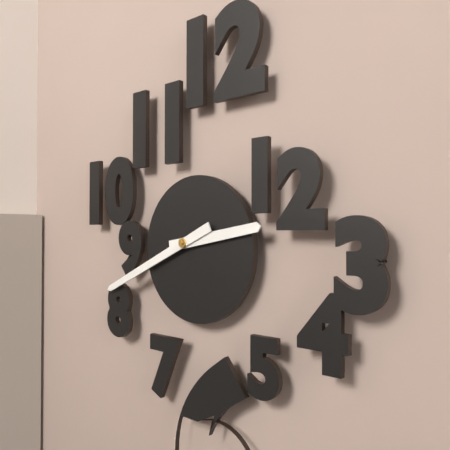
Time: {"hour": 2, "minute": 41}
